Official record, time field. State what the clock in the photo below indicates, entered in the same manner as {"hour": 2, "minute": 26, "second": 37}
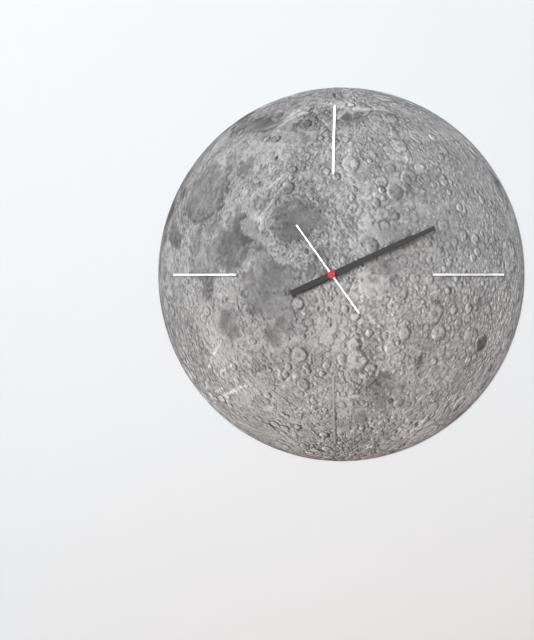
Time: {"hour": 2, "minute": 11, "second": 54}
